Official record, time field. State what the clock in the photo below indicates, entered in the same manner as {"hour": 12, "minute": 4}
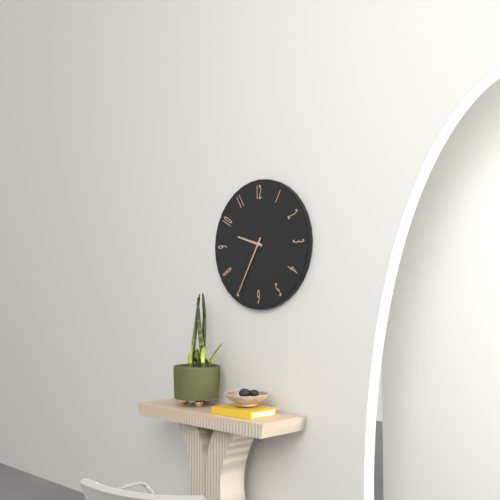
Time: {"hour": 9, "minute": 35}
